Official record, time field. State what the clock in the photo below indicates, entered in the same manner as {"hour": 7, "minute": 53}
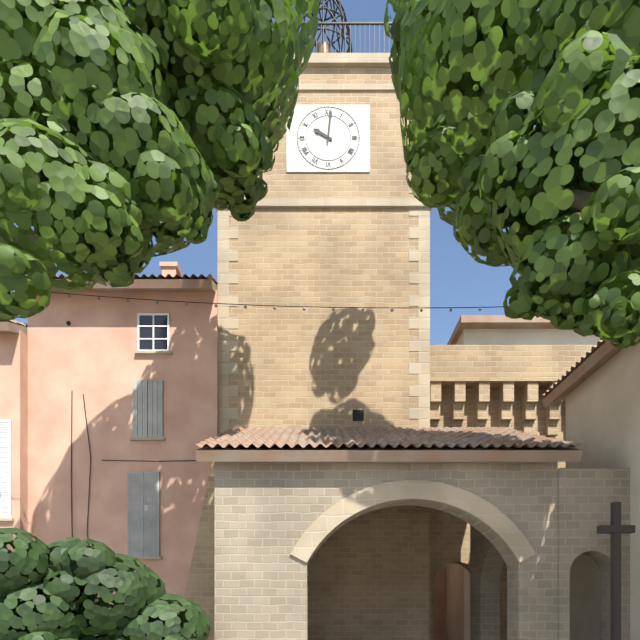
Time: {"hour": 10, "minute": 1}
